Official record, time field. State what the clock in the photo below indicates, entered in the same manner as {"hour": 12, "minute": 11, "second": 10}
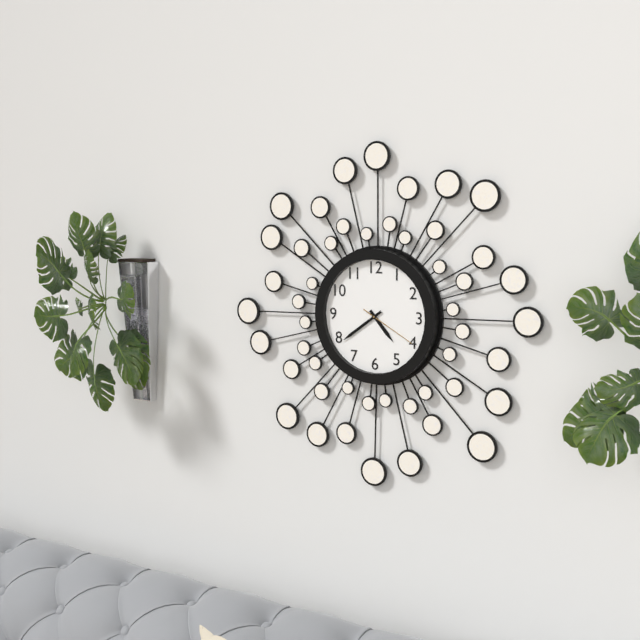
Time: {"hour": 4, "minute": 39, "second": 20}
